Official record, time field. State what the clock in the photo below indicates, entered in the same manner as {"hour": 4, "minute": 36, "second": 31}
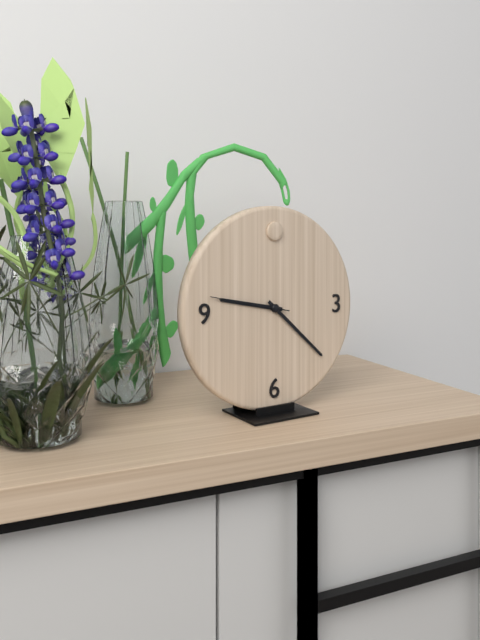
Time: {"hour": 9, "minute": 22, "second": 47}
